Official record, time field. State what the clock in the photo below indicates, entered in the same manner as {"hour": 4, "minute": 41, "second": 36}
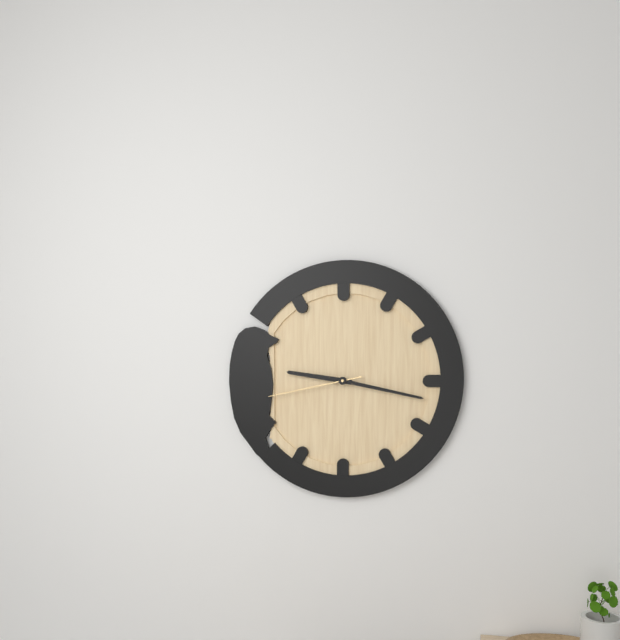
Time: {"hour": 9, "minute": 17, "second": 43}
